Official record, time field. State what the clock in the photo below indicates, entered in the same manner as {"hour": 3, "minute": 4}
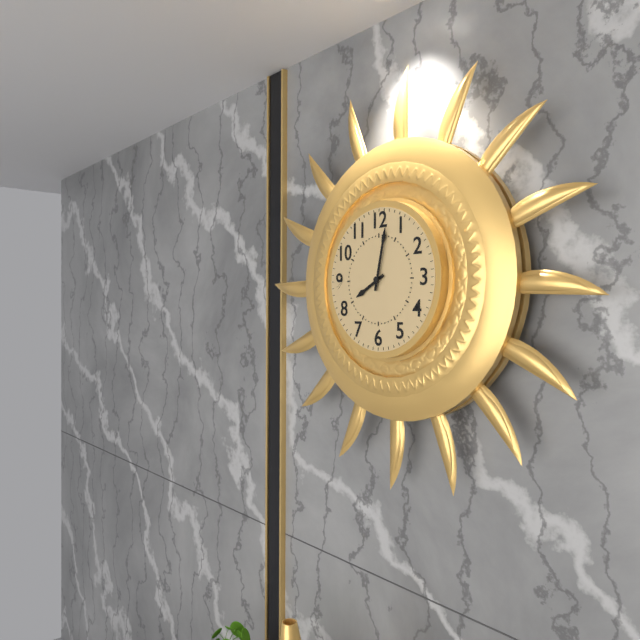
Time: {"hour": 8, "minute": 2}
